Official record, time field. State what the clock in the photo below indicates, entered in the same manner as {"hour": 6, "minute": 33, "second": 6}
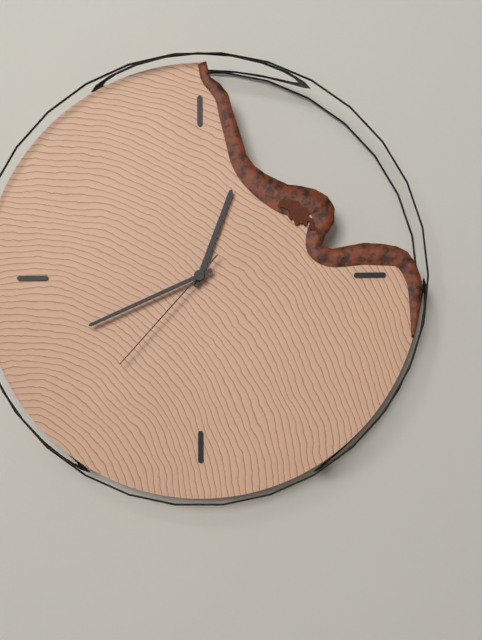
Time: {"hour": 12, "minute": 41, "second": 37}
